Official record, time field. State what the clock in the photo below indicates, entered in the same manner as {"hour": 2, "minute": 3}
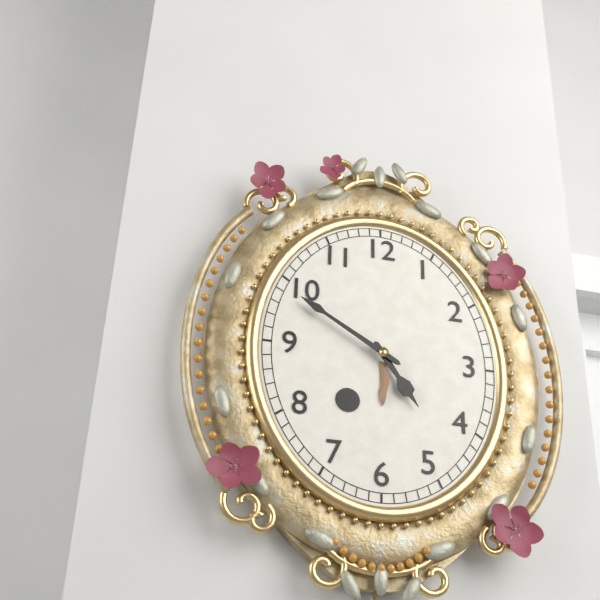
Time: {"hour": 4, "minute": 50}
